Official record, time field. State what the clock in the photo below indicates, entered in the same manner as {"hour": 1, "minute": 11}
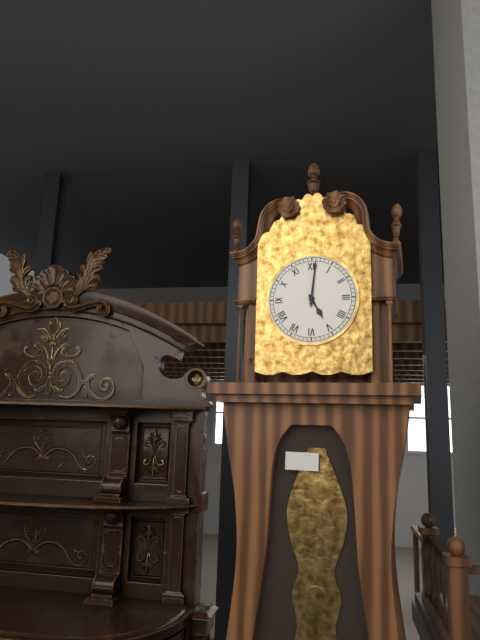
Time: {"hour": 5, "minute": 1}
